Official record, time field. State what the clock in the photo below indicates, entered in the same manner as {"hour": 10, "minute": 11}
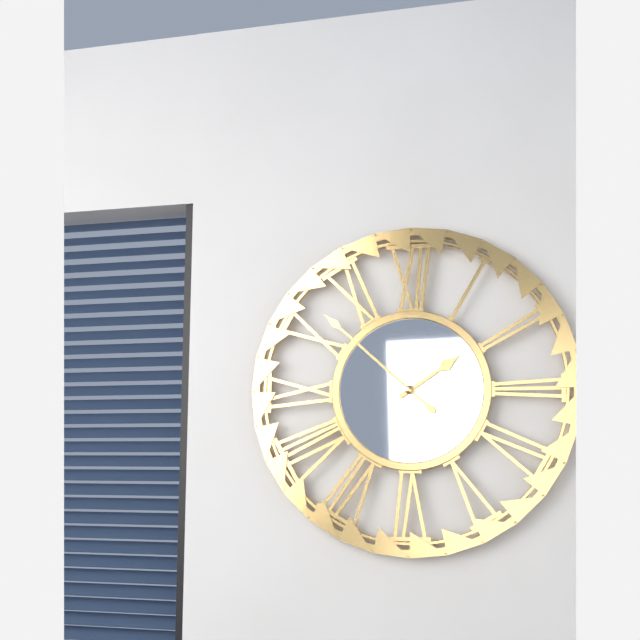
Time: {"hour": 1, "minute": 52}
